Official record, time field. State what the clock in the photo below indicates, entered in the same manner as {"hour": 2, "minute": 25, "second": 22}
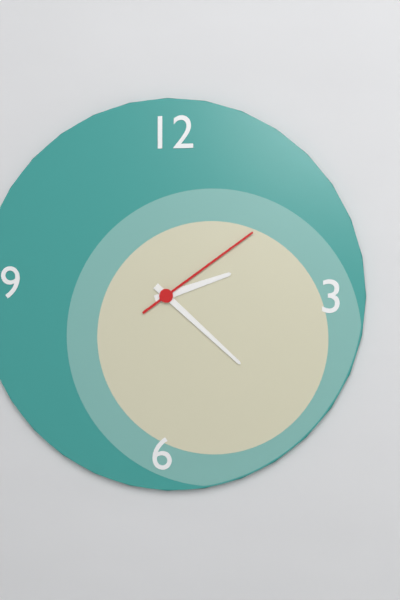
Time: {"hour": 2, "minute": 22, "second": 9}
